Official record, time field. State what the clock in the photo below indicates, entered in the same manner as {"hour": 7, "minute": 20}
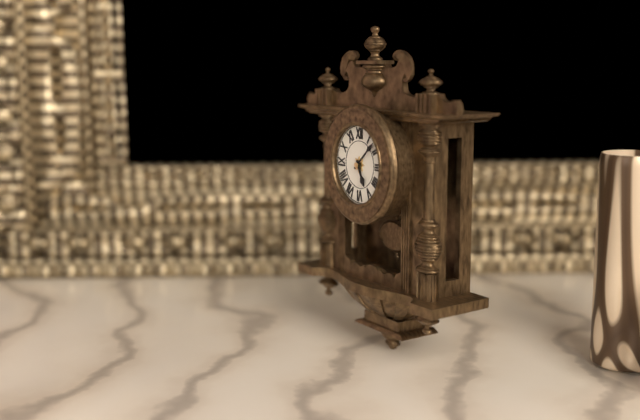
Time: {"hour": 5, "minute": 8}
